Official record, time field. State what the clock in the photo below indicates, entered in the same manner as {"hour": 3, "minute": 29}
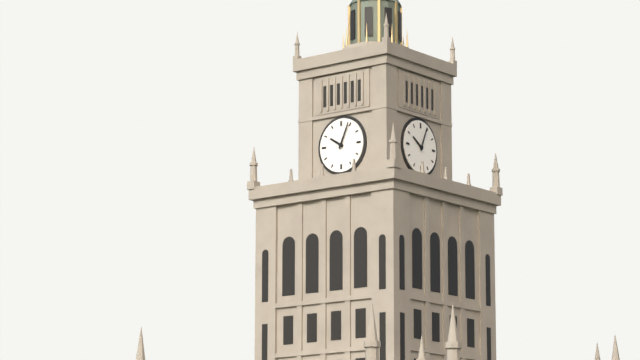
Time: {"hour": 10, "minute": 4}
